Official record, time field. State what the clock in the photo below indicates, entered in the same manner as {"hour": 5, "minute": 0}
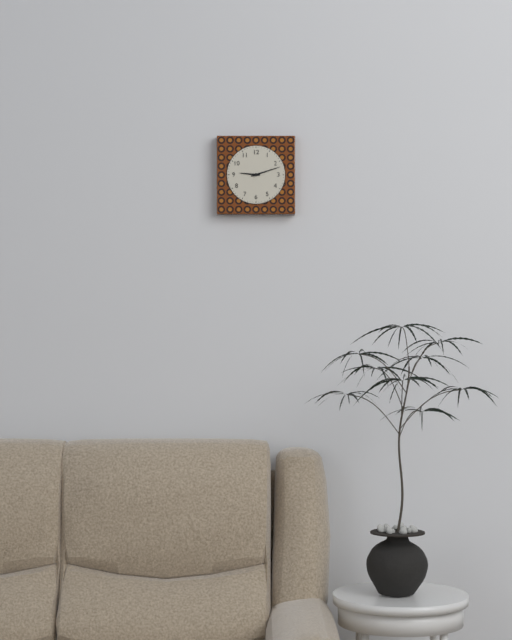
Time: {"hour": 9, "minute": 12}
